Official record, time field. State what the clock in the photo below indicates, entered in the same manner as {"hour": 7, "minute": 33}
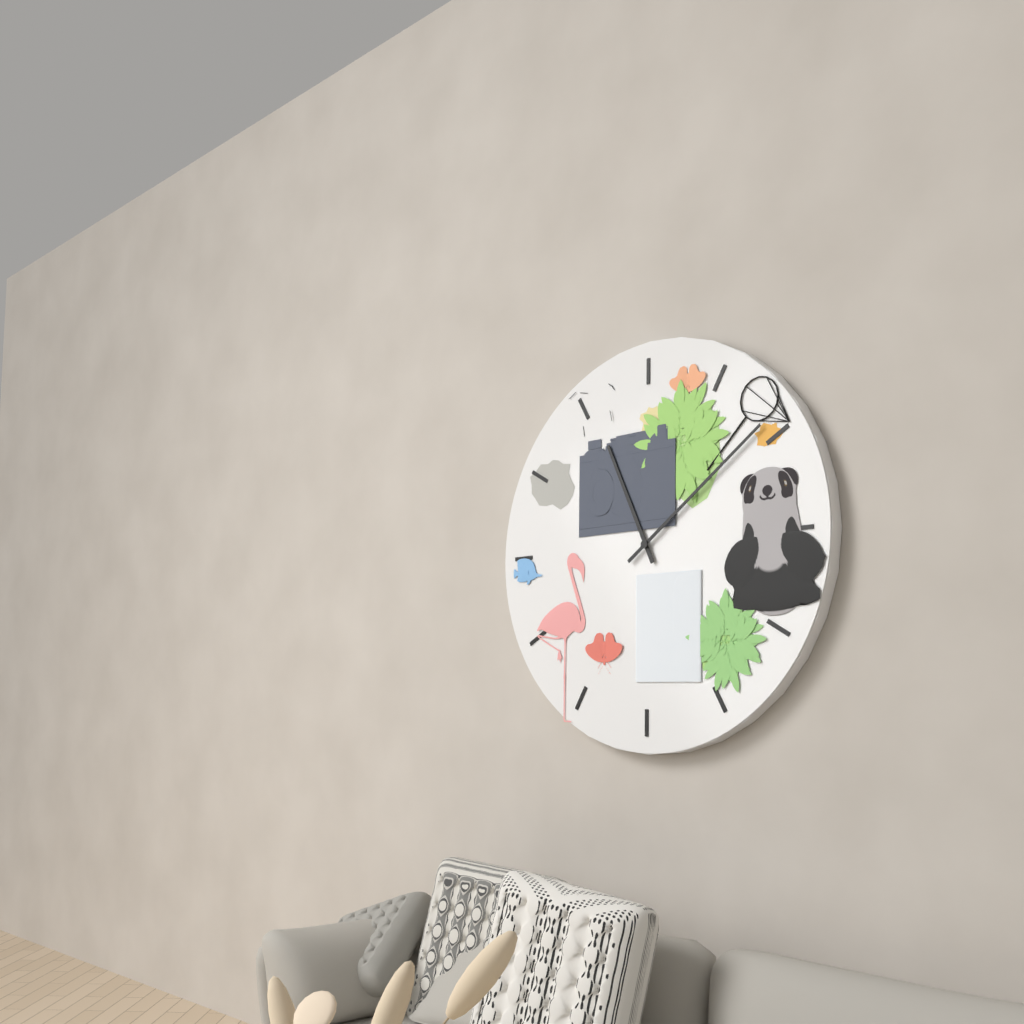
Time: {"hour": 11, "minute": 9}
